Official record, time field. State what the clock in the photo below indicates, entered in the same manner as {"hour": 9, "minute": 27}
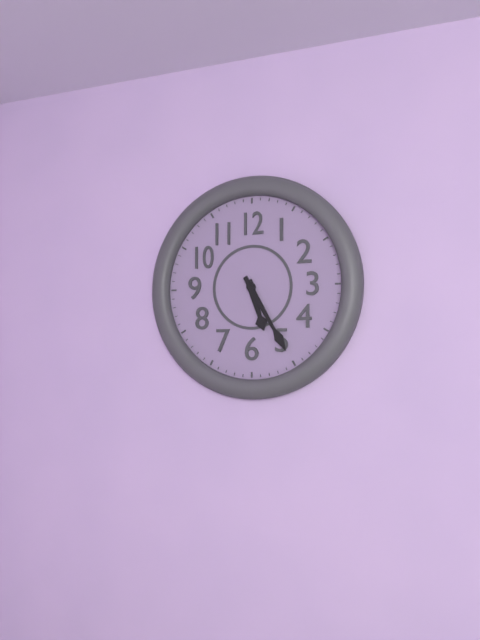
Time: {"hour": 5, "minute": 25}
